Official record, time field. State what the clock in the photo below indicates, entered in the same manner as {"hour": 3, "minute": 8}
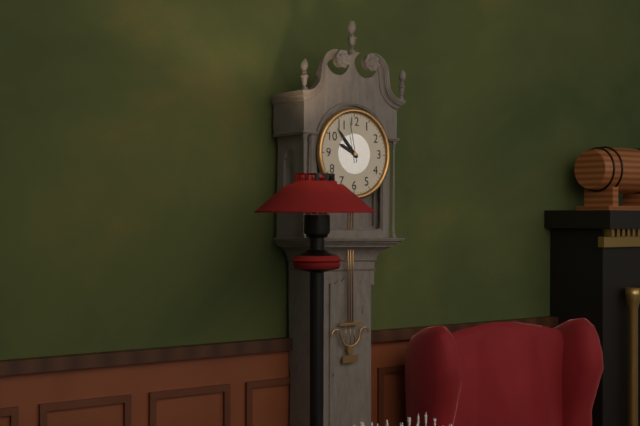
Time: {"hour": 9, "minute": 53}
